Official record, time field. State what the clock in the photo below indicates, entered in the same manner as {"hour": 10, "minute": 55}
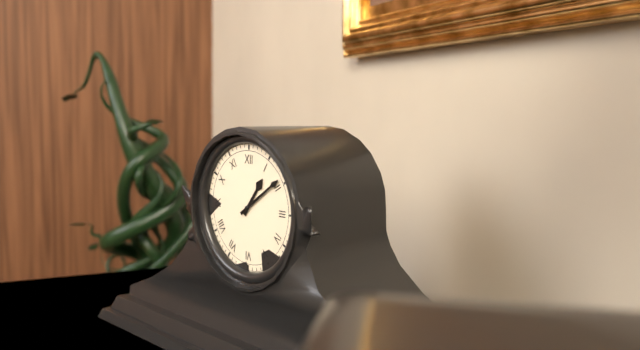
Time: {"hour": 1, "minute": 9}
